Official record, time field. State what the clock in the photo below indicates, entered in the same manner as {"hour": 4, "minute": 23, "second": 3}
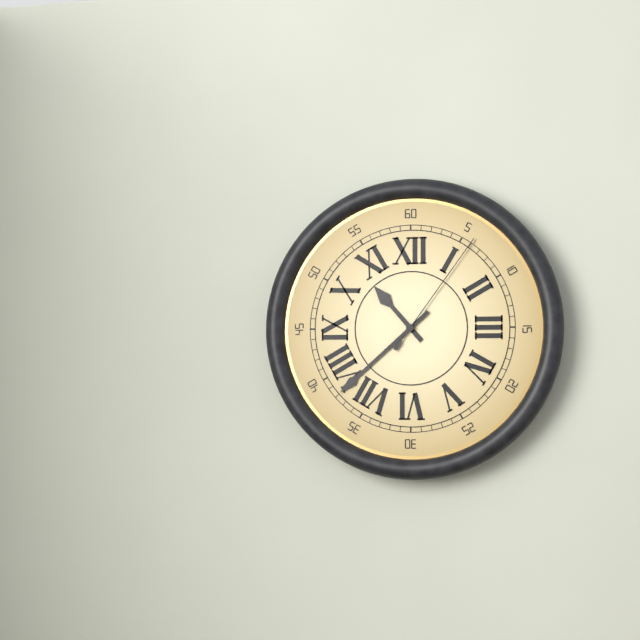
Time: {"hour": 10, "minute": 38, "second": 6}
